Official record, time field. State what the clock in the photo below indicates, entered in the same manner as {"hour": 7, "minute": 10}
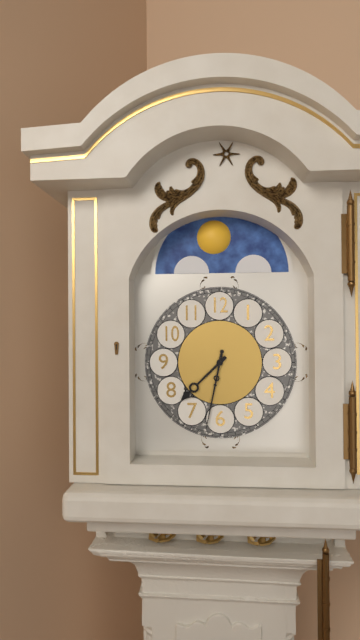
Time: {"hour": 7, "minute": 32}
